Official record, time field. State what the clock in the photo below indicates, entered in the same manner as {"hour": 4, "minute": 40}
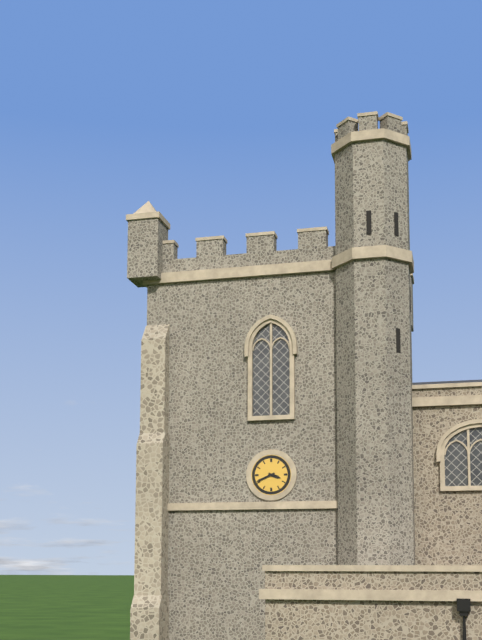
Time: {"hour": 3, "minute": 41}
